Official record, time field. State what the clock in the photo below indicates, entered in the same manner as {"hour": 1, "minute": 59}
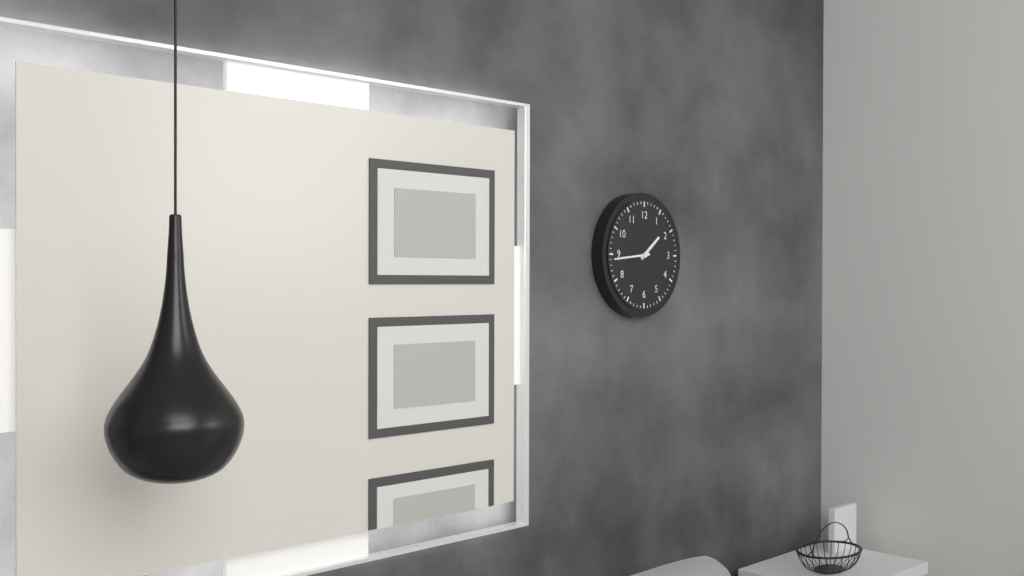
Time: {"hour": 1, "minute": 44}
